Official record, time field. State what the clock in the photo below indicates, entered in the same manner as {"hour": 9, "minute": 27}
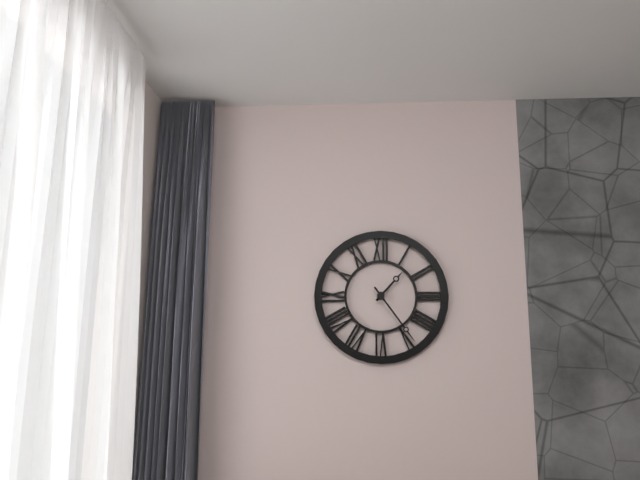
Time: {"hour": 1, "minute": 24}
